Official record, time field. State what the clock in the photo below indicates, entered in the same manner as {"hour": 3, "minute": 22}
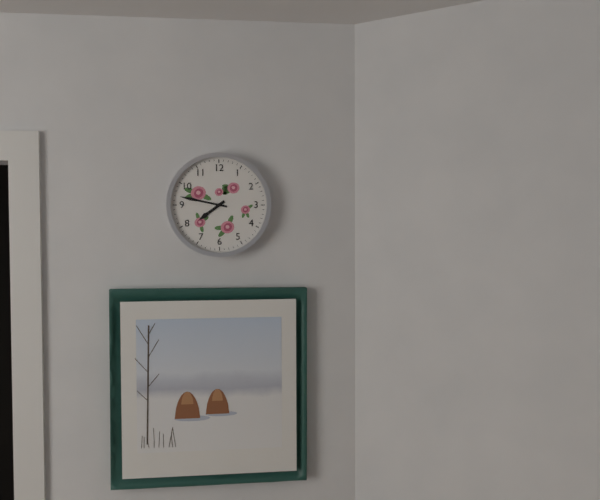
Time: {"hour": 7, "minute": 47}
